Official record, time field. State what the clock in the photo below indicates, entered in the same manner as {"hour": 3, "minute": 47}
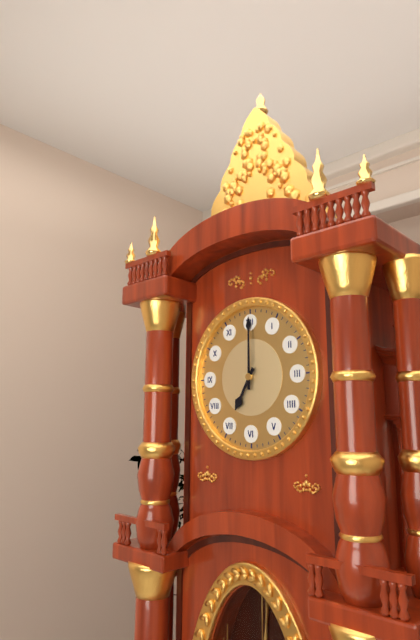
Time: {"hour": 7, "minute": 0}
